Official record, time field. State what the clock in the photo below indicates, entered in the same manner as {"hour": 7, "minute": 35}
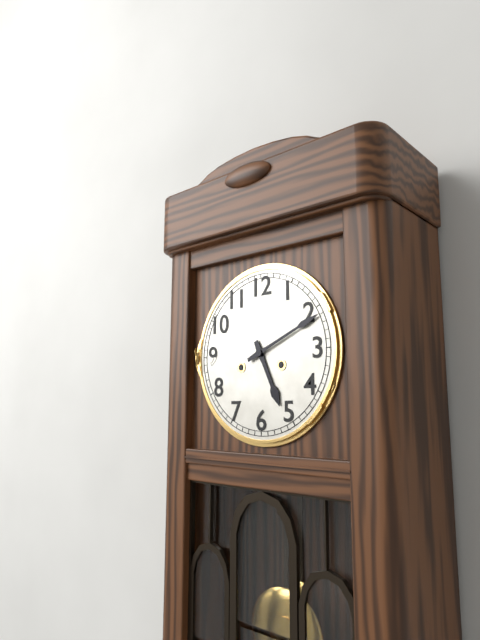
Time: {"hour": 5, "minute": 11}
